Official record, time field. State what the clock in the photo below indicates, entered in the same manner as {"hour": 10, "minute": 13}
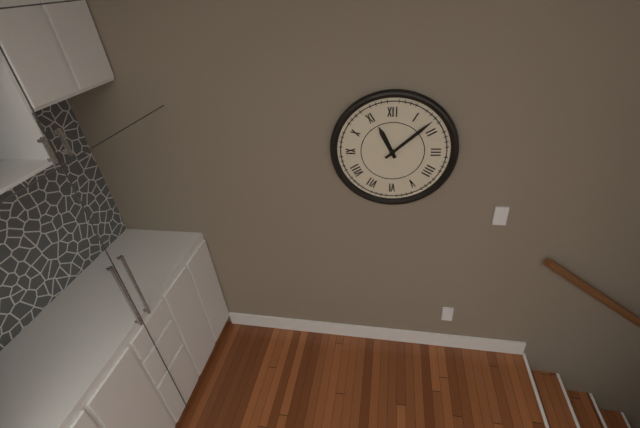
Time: {"hour": 11, "minute": 8}
